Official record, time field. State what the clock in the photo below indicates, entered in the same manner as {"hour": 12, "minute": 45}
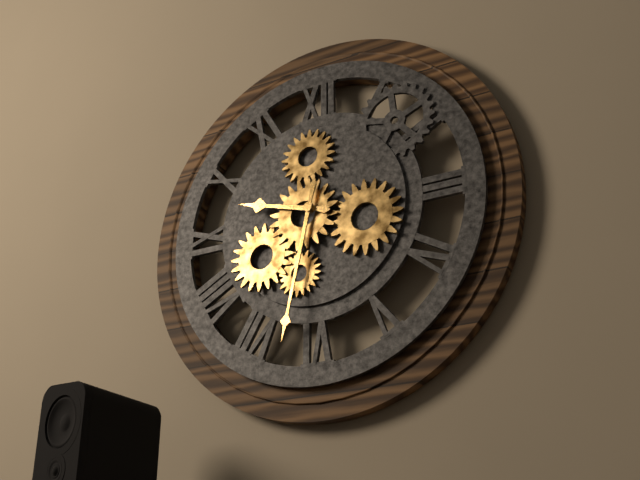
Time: {"hour": 9, "minute": 32}
